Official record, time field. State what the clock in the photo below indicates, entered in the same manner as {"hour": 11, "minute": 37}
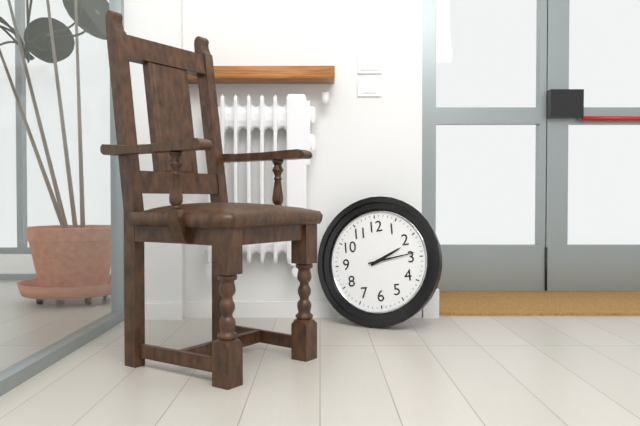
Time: {"hour": 2, "minute": 14}
